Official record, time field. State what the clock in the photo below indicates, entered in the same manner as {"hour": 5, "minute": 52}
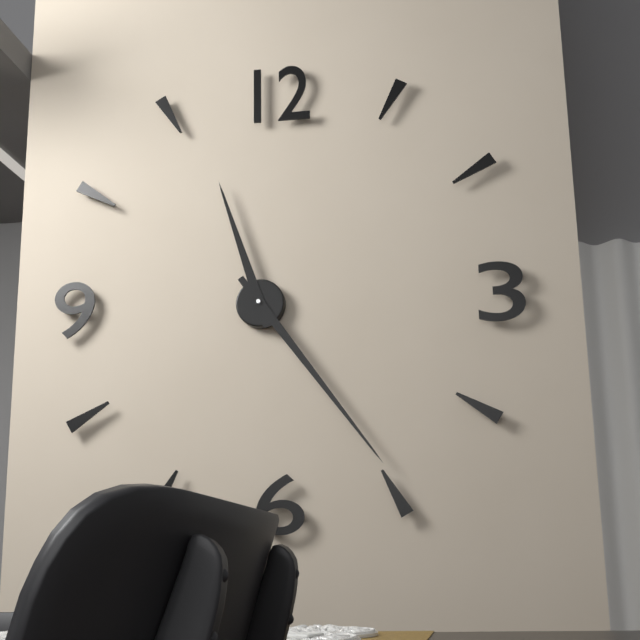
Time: {"hour": 11, "minute": 24}
